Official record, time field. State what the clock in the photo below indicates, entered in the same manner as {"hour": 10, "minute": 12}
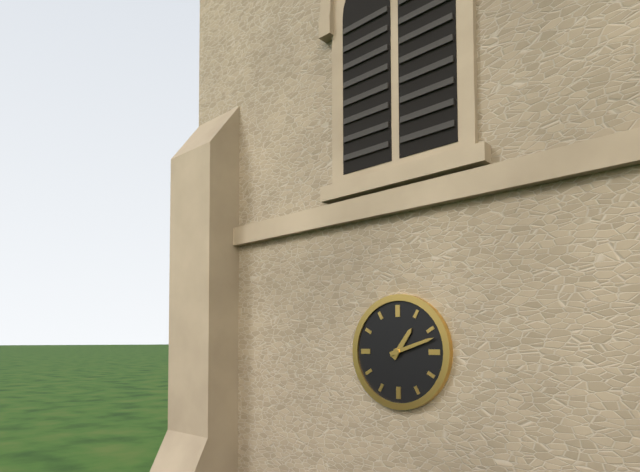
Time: {"hour": 1, "minute": 12}
